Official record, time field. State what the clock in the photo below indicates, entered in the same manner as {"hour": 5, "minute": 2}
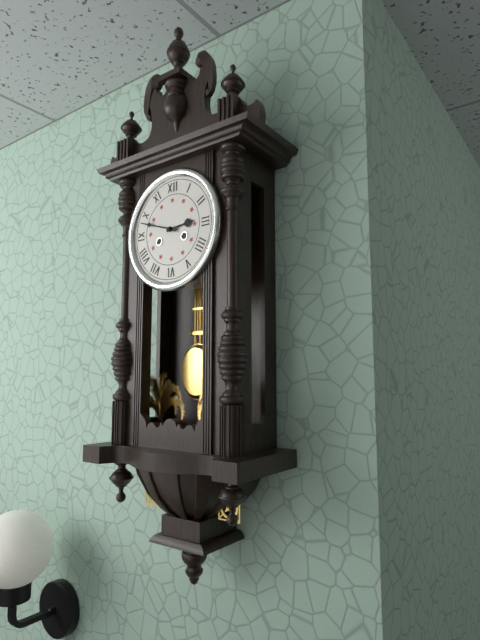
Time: {"hour": 2, "minute": 48}
